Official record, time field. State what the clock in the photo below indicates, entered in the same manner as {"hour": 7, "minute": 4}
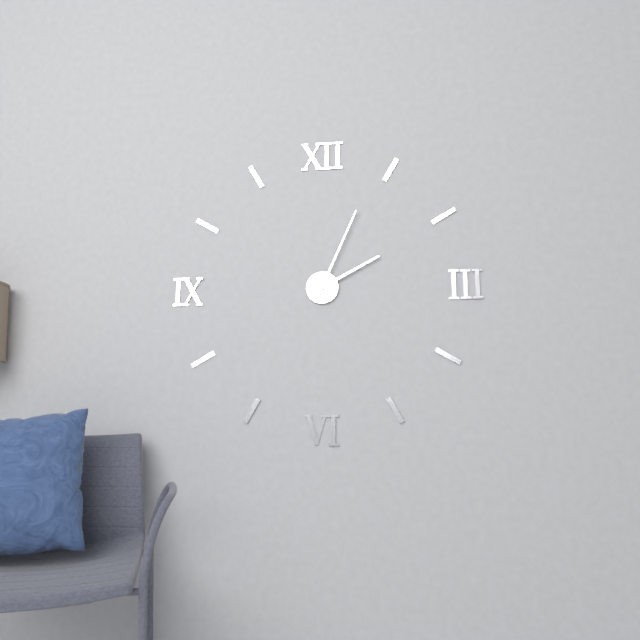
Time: {"hour": 2, "minute": 4}
